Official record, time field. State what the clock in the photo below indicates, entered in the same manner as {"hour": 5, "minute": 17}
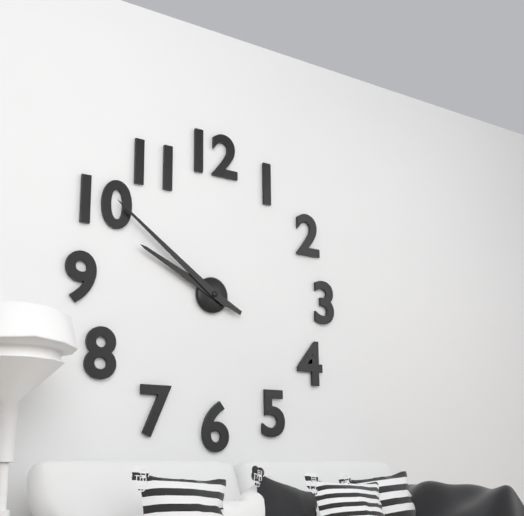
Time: {"hour": 9, "minute": 51}
